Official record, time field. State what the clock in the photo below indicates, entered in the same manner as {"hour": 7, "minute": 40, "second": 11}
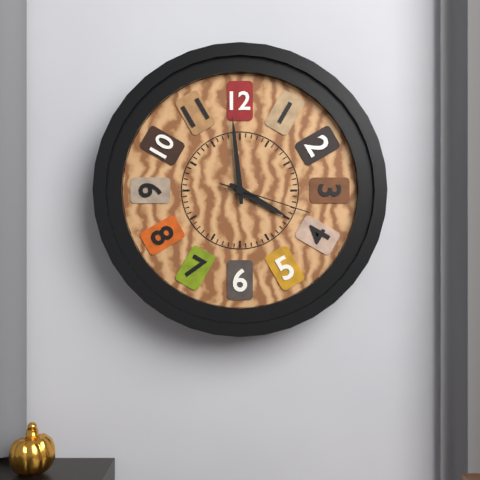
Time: {"hour": 3, "minute": 59, "second": 18}
